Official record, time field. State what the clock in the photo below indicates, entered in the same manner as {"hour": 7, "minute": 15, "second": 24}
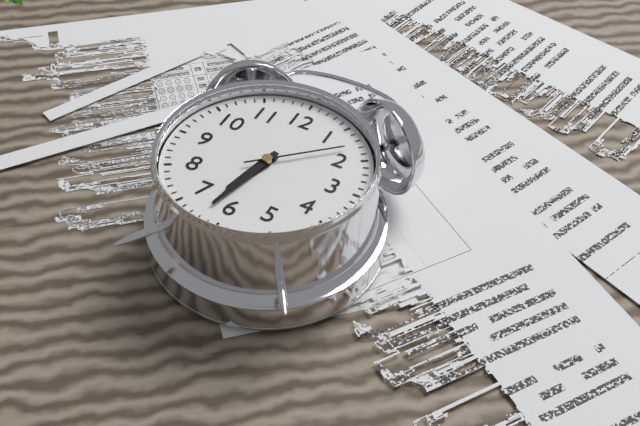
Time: {"hour": 6, "minute": 32, "second": 8}
